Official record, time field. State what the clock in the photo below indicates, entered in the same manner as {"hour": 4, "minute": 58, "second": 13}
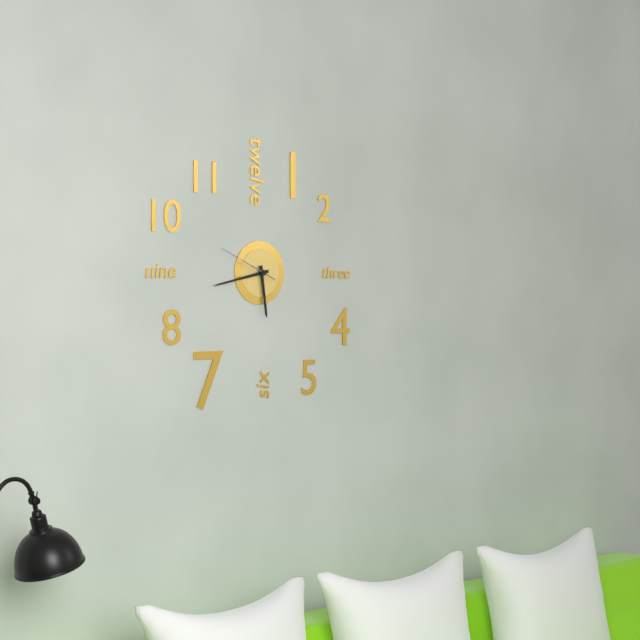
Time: {"hour": 5, "minute": 43, "second": 49}
